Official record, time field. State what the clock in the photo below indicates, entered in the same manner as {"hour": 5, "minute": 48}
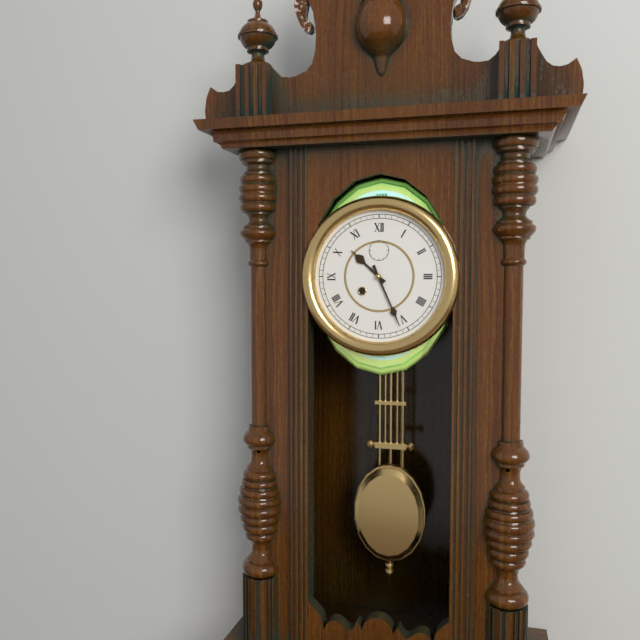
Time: {"hour": 10, "minute": 26}
